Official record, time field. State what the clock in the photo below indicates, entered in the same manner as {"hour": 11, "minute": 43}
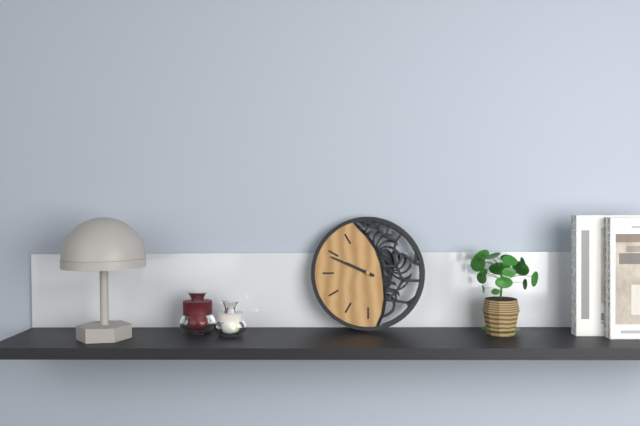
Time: {"hour": 9, "minute": 49}
